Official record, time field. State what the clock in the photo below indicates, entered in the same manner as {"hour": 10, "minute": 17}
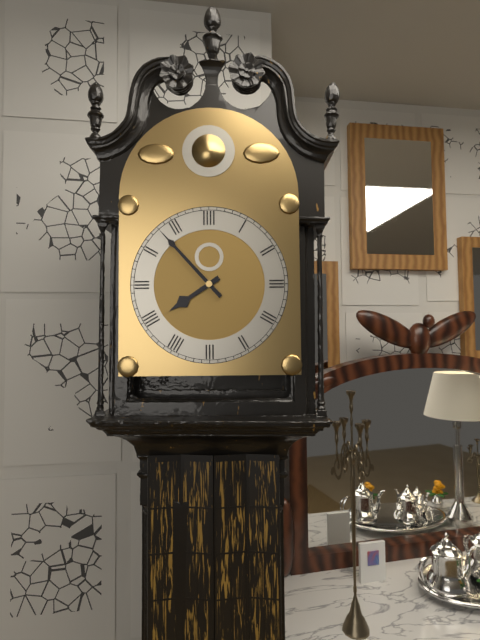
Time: {"hour": 7, "minute": 53}
